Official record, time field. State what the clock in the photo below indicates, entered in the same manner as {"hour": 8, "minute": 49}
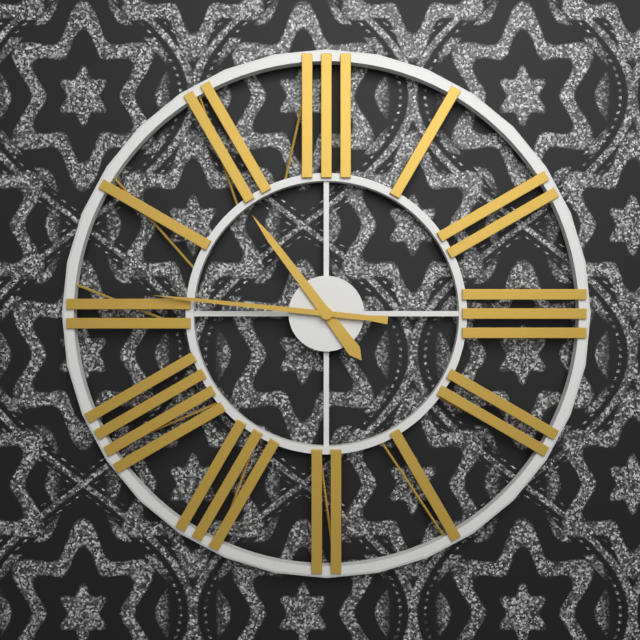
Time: {"hour": 10, "minute": 46}
